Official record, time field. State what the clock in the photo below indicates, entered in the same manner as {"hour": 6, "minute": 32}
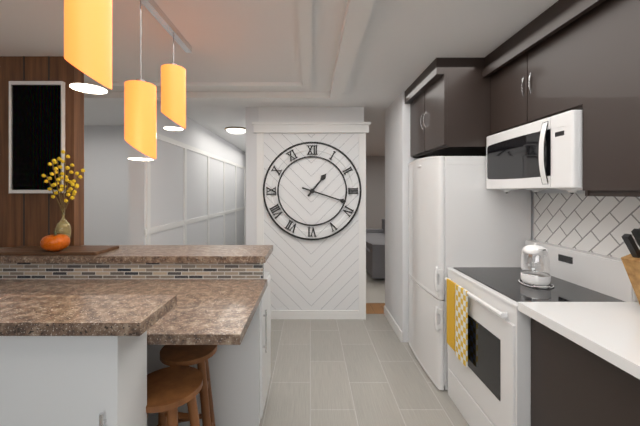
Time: {"hour": 1, "minute": 18}
